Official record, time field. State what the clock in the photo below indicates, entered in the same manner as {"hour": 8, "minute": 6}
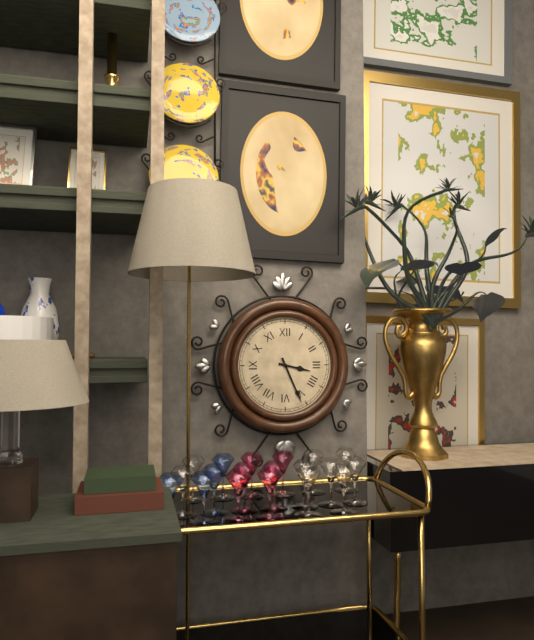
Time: {"hour": 3, "minute": 26}
